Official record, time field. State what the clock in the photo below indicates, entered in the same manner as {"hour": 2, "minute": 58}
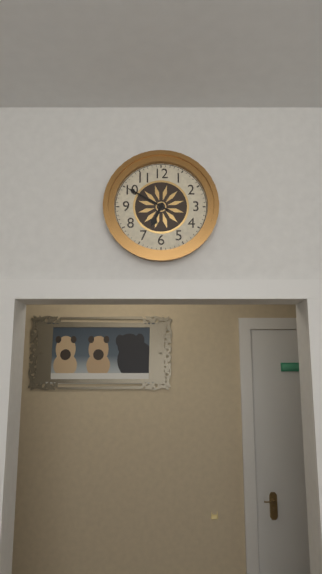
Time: {"hour": 6, "minute": 50}
